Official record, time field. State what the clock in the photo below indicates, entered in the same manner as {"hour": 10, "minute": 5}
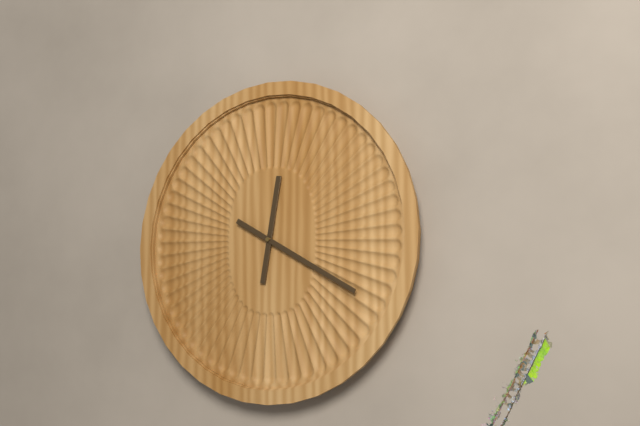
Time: {"hour": 12, "minute": 20}
